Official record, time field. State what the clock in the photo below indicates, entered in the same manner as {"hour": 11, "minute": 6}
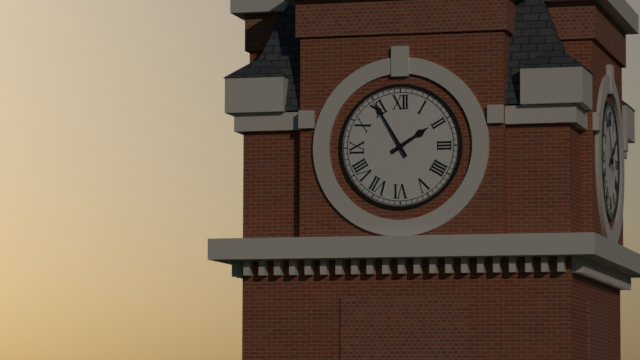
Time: {"hour": 1, "minute": 55}
